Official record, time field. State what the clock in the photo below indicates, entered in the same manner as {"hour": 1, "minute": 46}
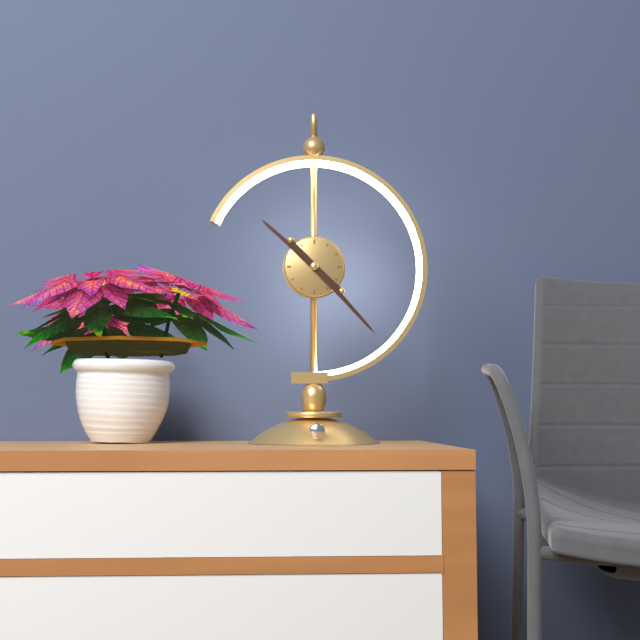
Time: {"hour": 10, "minute": 23}
